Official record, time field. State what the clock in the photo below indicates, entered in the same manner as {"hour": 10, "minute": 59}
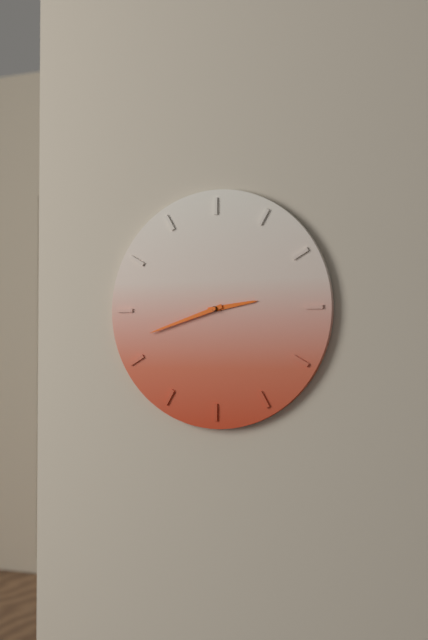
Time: {"hour": 2, "minute": 42}
